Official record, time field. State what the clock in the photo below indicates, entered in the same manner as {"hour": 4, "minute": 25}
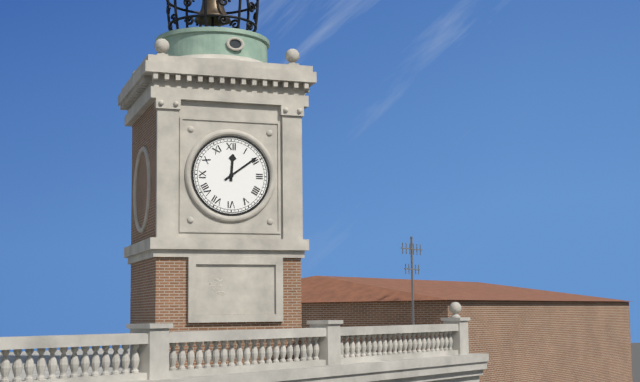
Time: {"hour": 12, "minute": 9}
